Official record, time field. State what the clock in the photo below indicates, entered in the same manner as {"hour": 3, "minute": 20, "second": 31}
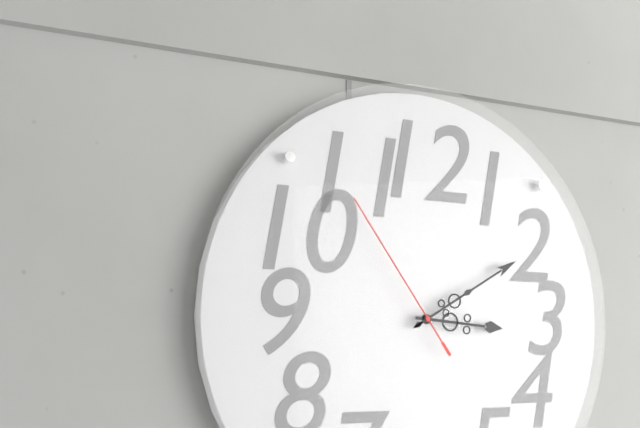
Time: {"hour": 3, "minute": 10, "second": 54}
